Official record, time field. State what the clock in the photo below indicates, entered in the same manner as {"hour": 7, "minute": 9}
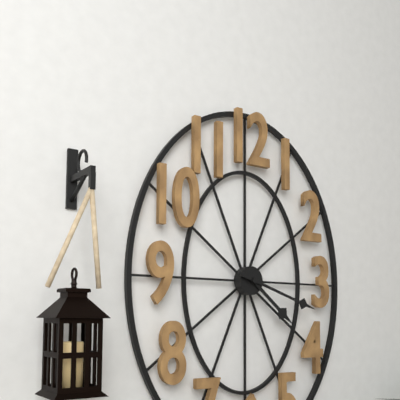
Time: {"hour": 4, "minute": 18}
